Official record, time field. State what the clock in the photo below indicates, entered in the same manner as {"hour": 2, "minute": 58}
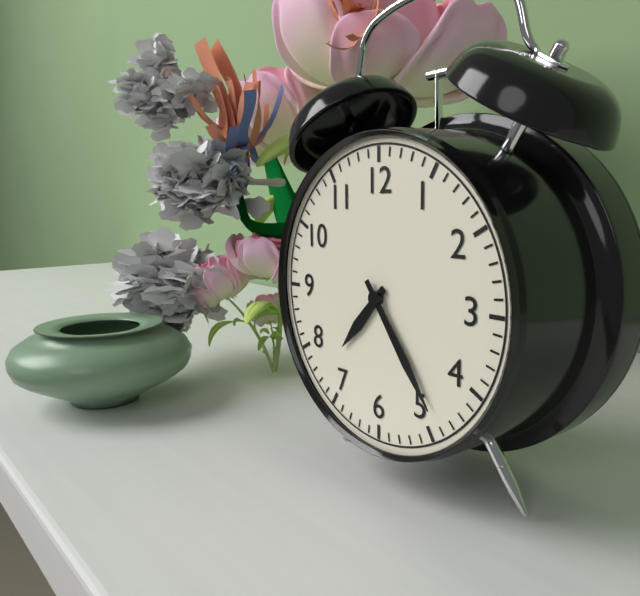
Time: {"hour": 7, "minute": 24}
